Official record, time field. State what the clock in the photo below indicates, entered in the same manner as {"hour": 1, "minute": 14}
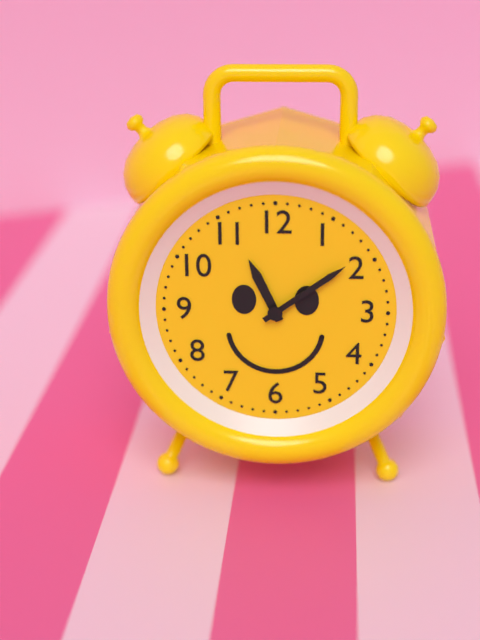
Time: {"hour": 11, "minute": 9}
